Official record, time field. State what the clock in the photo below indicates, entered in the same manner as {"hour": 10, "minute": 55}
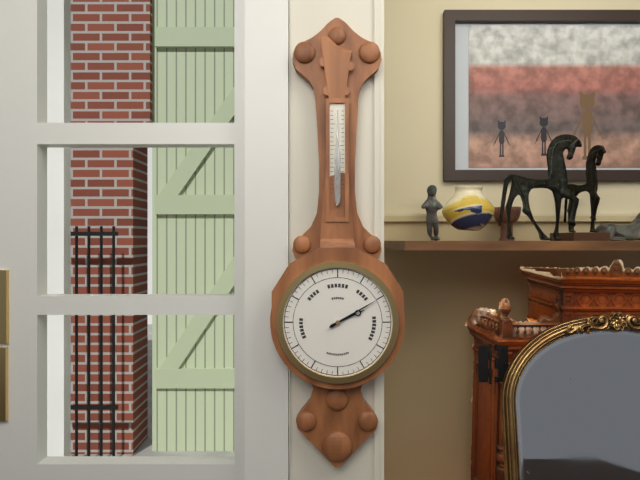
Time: {"hour": 2, "minute": 10}
